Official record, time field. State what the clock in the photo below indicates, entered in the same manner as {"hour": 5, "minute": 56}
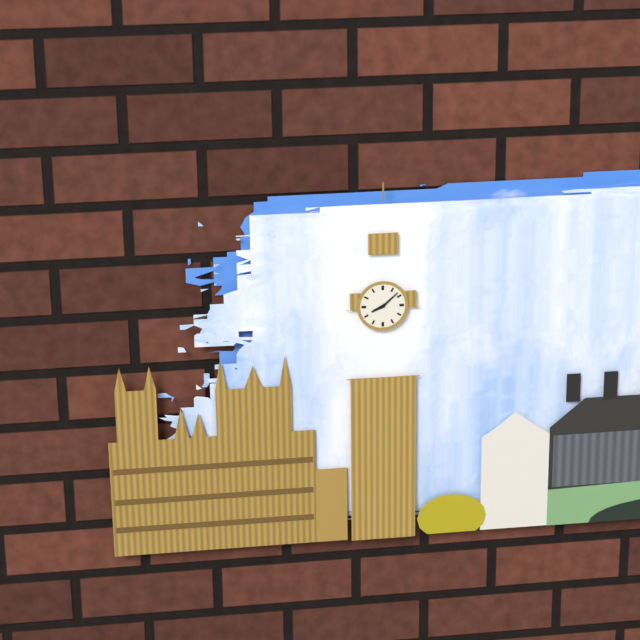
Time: {"hour": 8, "minute": 8}
